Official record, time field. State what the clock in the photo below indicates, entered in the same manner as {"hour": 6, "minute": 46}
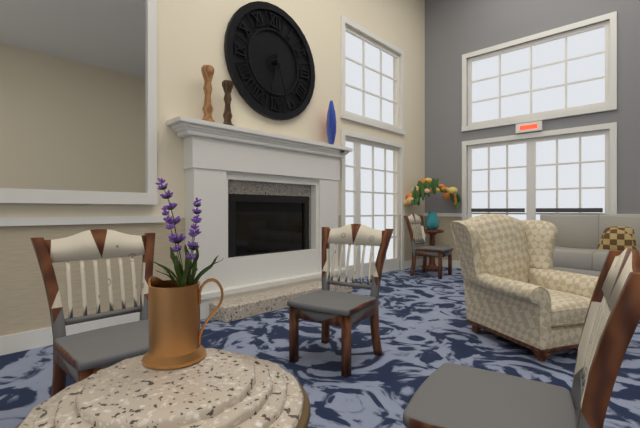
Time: {"hour": 6, "minute": 27}
